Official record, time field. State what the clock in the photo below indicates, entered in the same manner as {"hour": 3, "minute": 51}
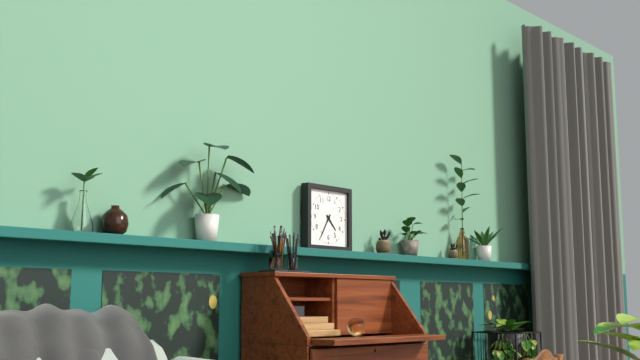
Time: {"hour": 4, "minute": 35}
